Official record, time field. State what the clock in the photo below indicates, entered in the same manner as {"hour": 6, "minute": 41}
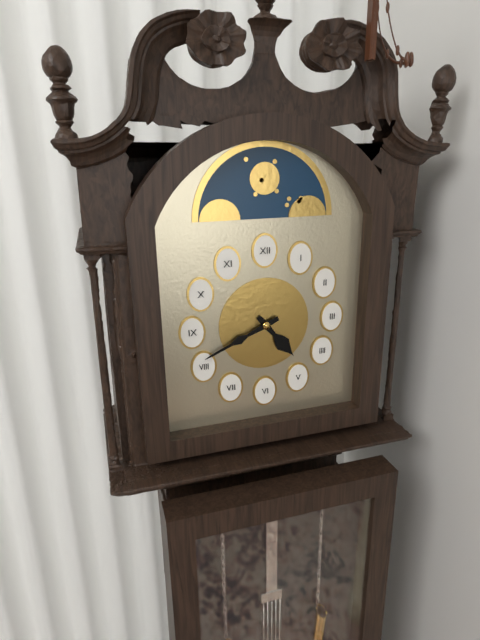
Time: {"hour": 4, "minute": 41}
